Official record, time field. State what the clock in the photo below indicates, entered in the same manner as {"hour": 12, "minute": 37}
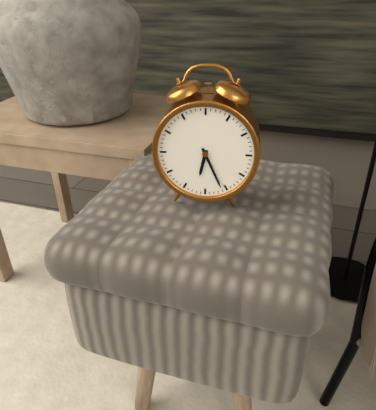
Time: {"hour": 6, "minute": 26}
